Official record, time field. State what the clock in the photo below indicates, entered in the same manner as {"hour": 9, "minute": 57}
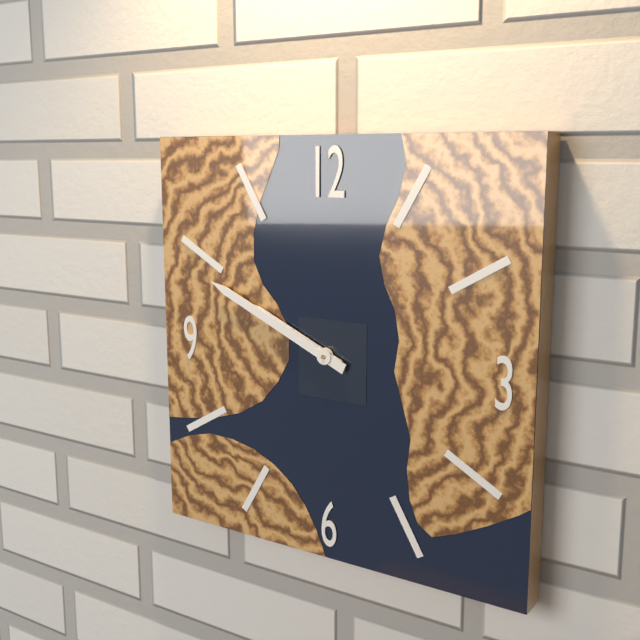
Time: {"hour": 9, "minute": 49}
